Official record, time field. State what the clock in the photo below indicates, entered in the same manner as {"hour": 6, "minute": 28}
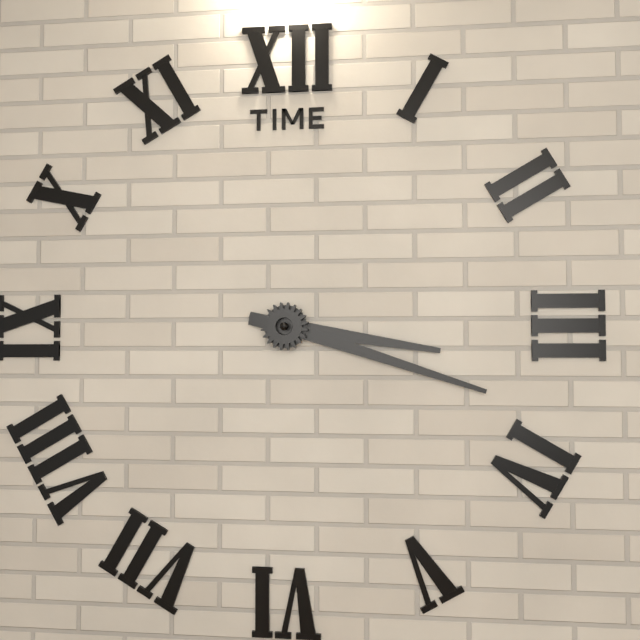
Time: {"hour": 3, "minute": 18}
